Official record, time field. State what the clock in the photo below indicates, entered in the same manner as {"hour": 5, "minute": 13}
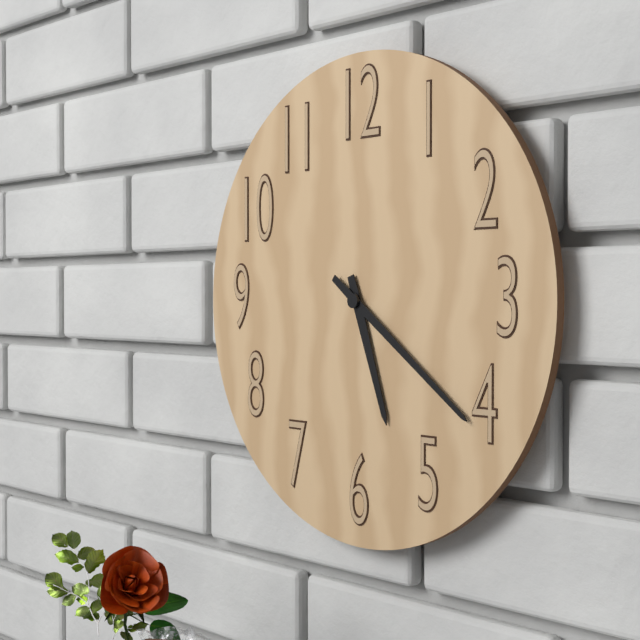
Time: {"hour": 5, "minute": 21}
